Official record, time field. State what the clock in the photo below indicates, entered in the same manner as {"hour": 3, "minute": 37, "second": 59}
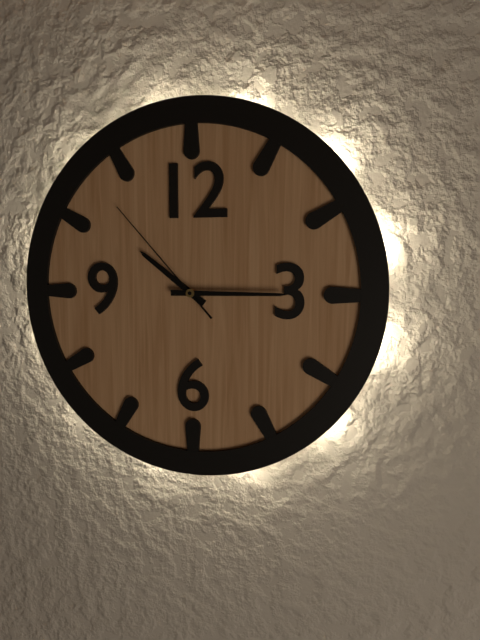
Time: {"hour": 10, "minute": 15, "second": 53}
